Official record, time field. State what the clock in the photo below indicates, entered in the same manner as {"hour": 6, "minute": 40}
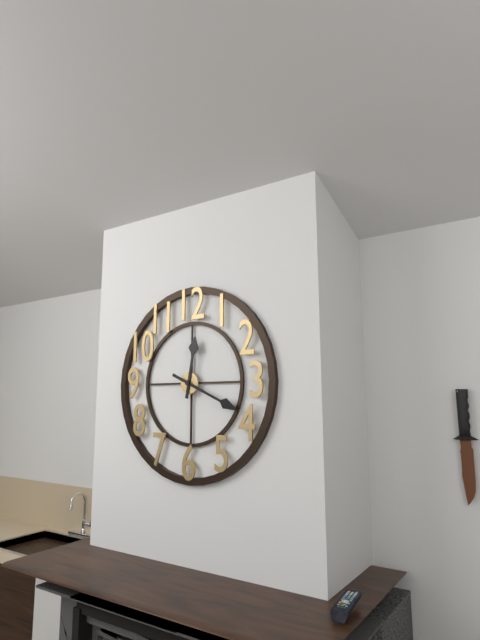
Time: {"hour": 12, "minute": 19}
